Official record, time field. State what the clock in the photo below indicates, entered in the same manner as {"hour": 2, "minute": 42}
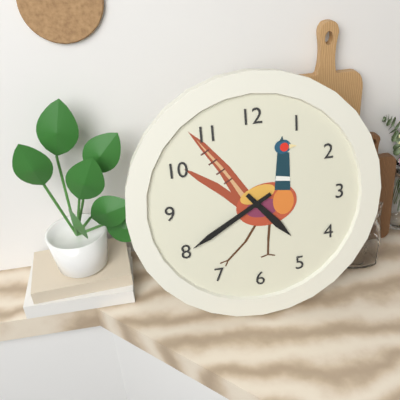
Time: {"hour": 4, "minute": 40}
